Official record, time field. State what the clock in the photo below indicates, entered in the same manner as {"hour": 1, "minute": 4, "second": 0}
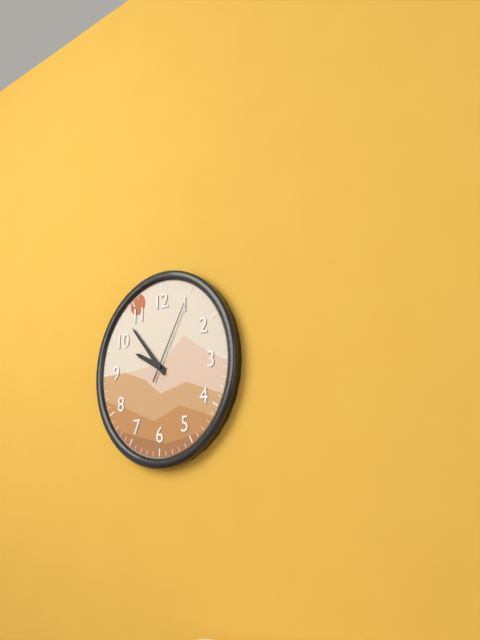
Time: {"hour": 9, "minute": 53, "second": 5}
